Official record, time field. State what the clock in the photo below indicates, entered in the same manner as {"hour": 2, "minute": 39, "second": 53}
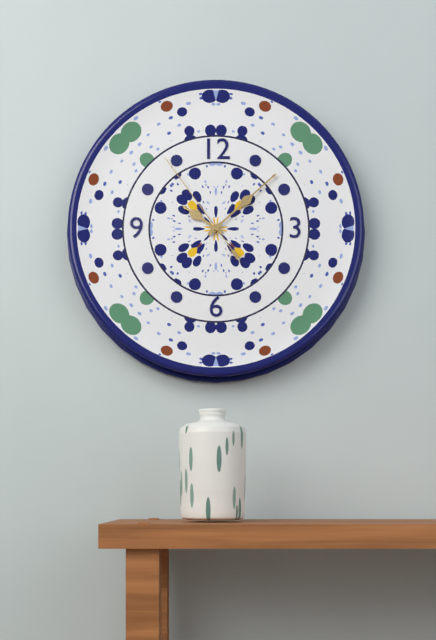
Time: {"hour": 10, "minute": 8, "second": 54}
